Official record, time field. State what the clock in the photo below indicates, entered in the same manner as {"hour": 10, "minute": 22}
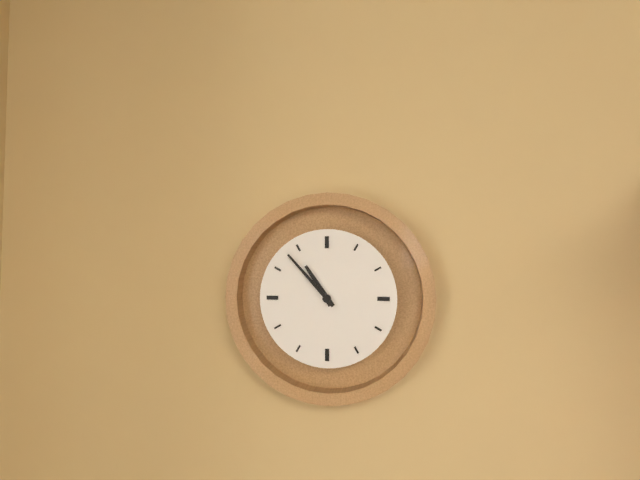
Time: {"hour": 10, "minute": 53}
